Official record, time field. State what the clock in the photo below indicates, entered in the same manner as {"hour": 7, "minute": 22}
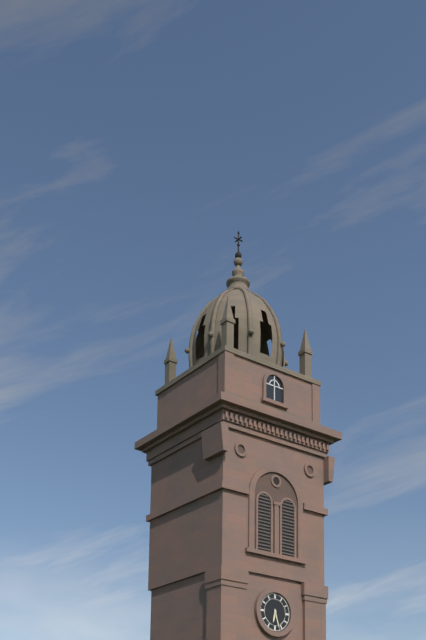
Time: {"hour": 6, "minute": 27}
